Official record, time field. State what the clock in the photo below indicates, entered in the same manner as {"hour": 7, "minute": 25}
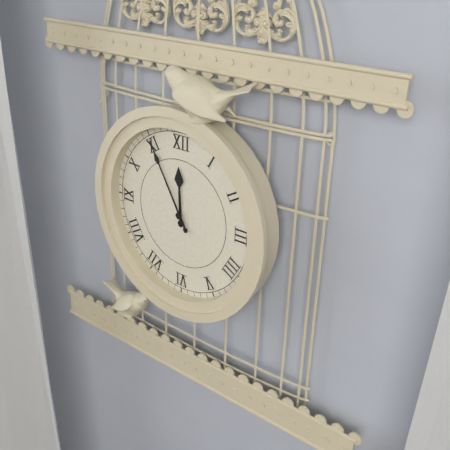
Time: {"hour": 11, "minute": 55}
